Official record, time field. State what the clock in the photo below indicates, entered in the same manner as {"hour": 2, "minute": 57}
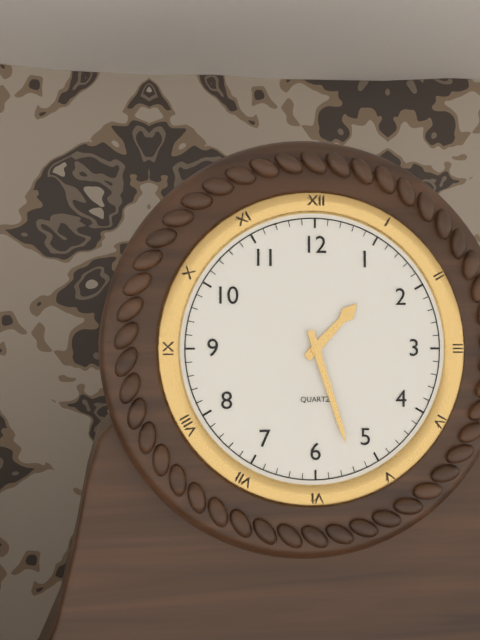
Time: {"hour": 1, "minute": 27}
